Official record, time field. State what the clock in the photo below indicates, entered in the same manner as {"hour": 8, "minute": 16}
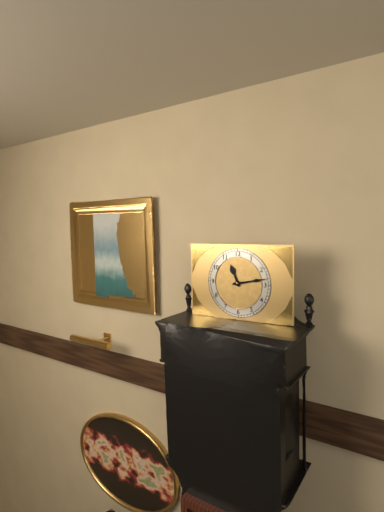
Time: {"hour": 11, "minute": 13}
